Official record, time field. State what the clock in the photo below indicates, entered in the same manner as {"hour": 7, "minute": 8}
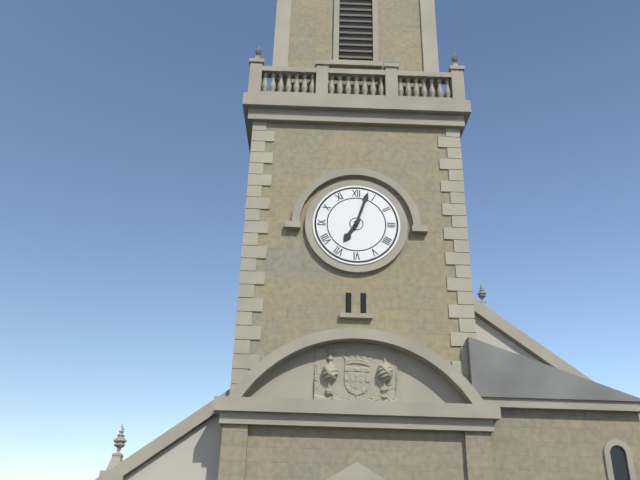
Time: {"hour": 7, "minute": 3}
